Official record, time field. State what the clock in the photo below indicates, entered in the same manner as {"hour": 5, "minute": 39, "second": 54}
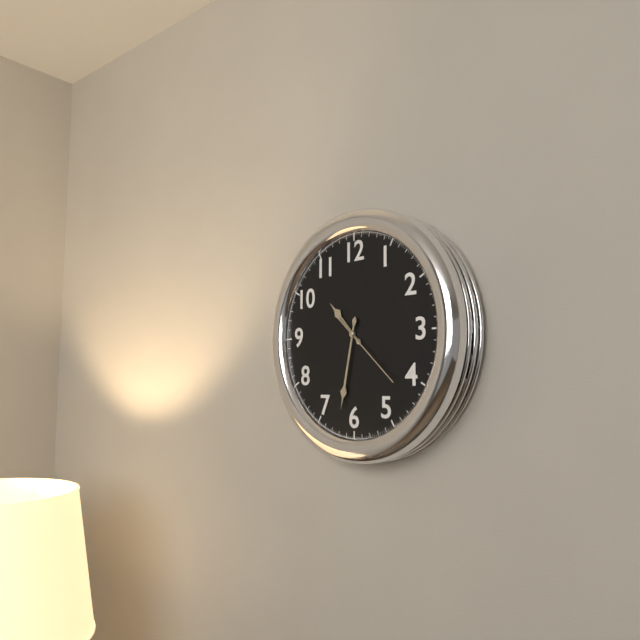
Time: {"hour": 10, "minute": 32, "second": 22}
